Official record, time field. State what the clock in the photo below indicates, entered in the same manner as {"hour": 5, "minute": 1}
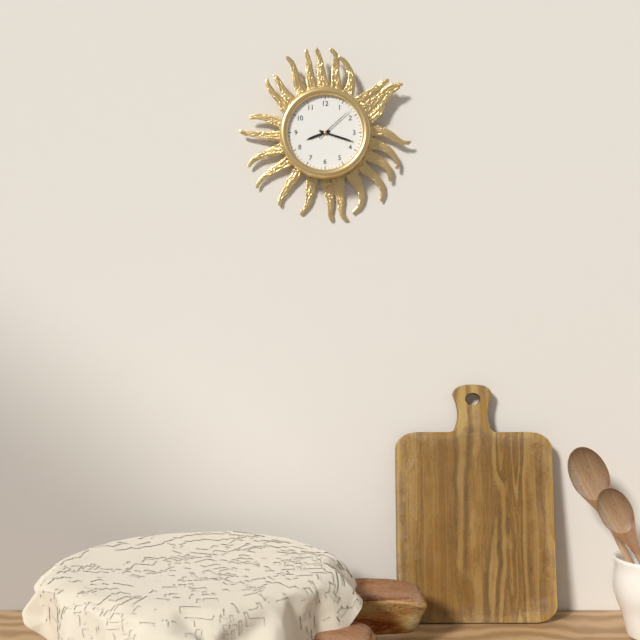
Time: {"hour": 8, "minute": 18}
